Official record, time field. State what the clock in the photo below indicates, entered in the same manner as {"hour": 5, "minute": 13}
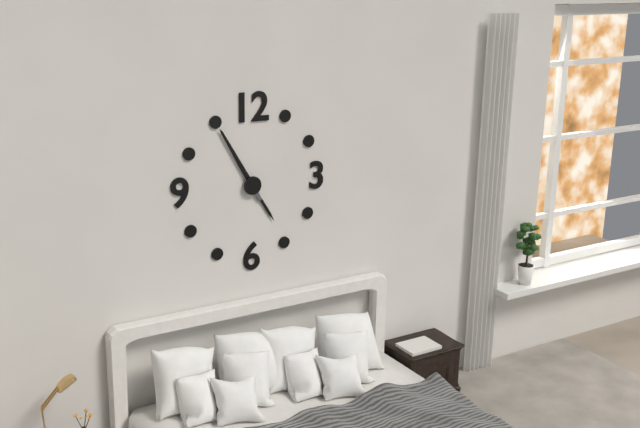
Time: {"hour": 4, "minute": 55}
